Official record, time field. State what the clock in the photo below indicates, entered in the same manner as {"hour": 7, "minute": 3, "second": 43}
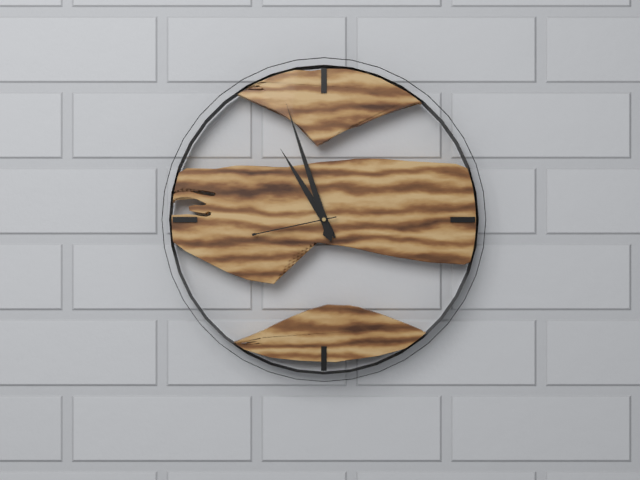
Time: {"hour": 10, "minute": 57, "second": 43}
